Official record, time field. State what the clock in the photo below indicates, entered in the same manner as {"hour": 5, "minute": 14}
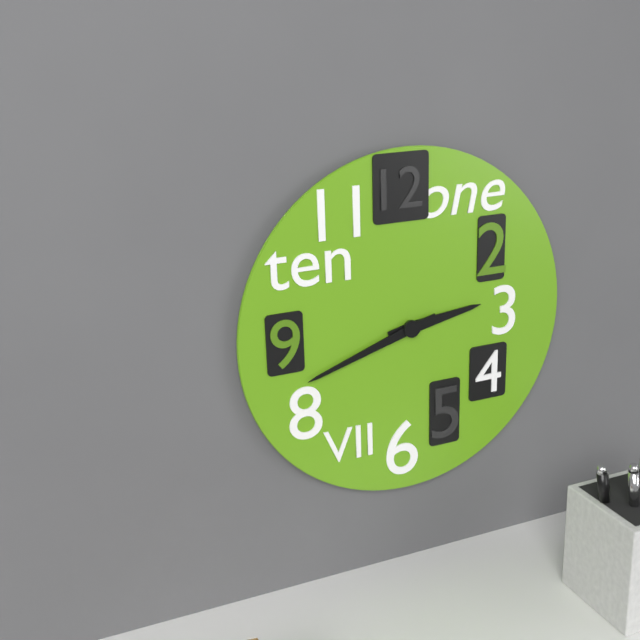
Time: {"hour": 2, "minute": 42}
